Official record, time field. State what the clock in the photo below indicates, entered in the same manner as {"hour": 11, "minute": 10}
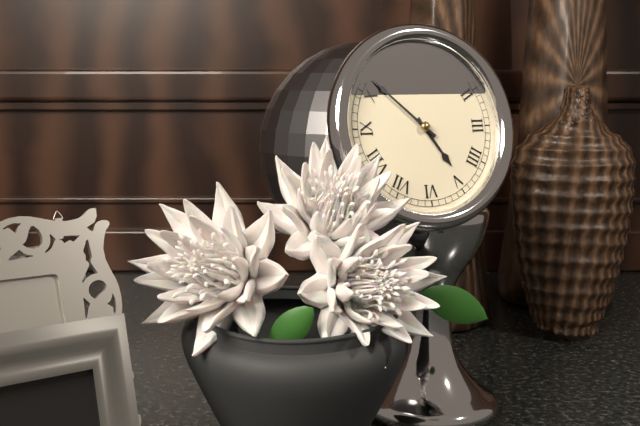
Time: {"hour": 4, "minute": 52}
